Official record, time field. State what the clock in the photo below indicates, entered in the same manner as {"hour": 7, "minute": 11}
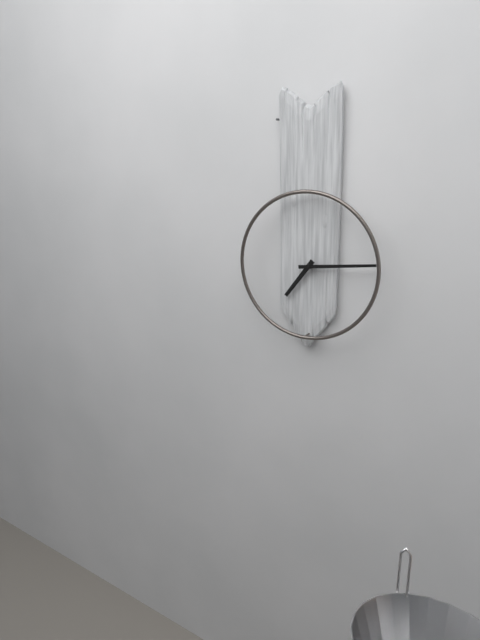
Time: {"hour": 7, "minute": 14}
